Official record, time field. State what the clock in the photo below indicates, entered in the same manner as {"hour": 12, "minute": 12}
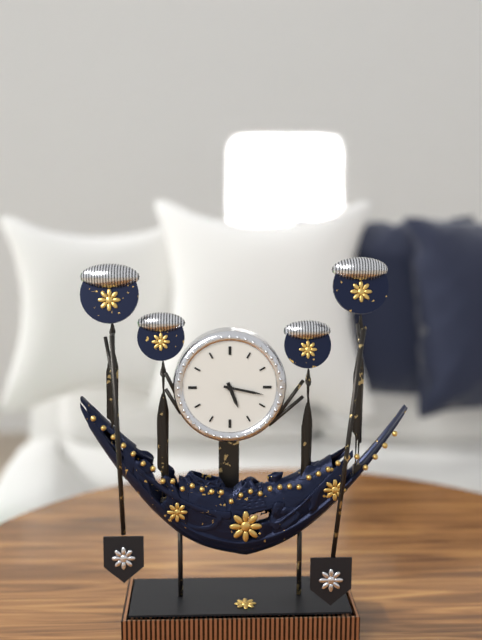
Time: {"hour": 5, "minute": 17}
